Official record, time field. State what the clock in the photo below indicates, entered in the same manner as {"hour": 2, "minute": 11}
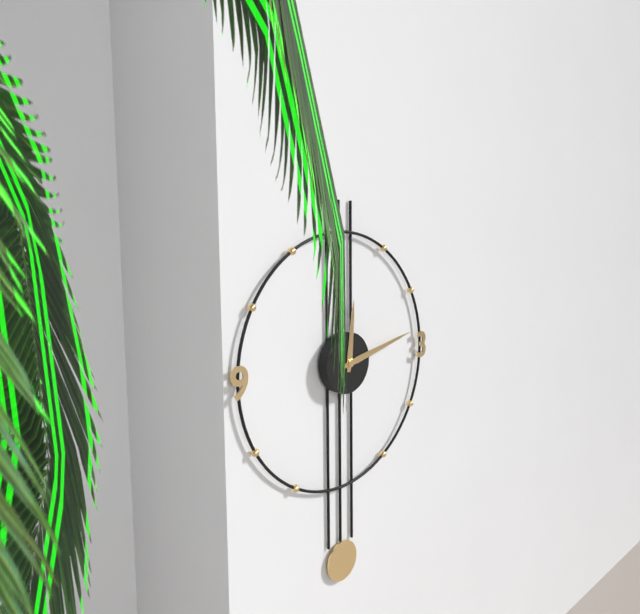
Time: {"hour": 12, "minute": 13}
